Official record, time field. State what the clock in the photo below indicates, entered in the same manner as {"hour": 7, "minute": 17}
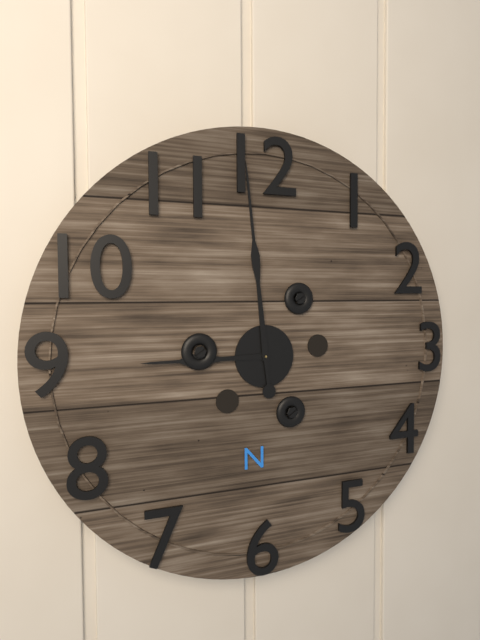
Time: {"hour": 8, "minute": 59}
